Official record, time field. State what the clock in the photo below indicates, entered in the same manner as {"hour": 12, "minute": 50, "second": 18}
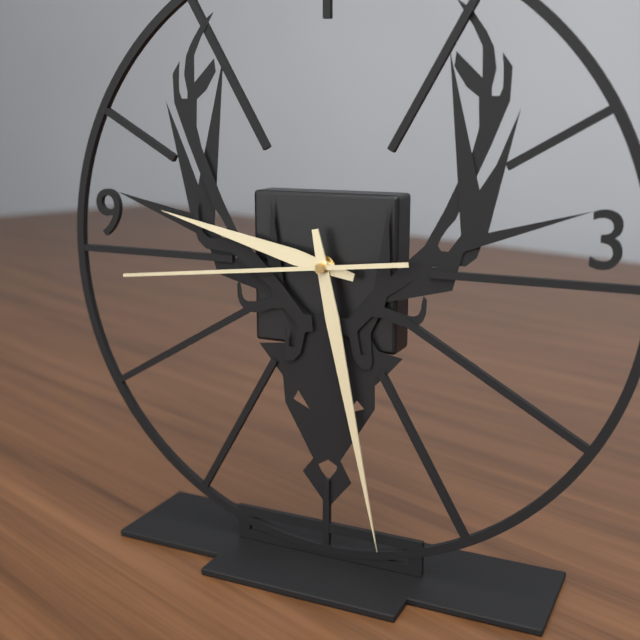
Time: {"hour": 9, "minute": 28, "second": 44}
